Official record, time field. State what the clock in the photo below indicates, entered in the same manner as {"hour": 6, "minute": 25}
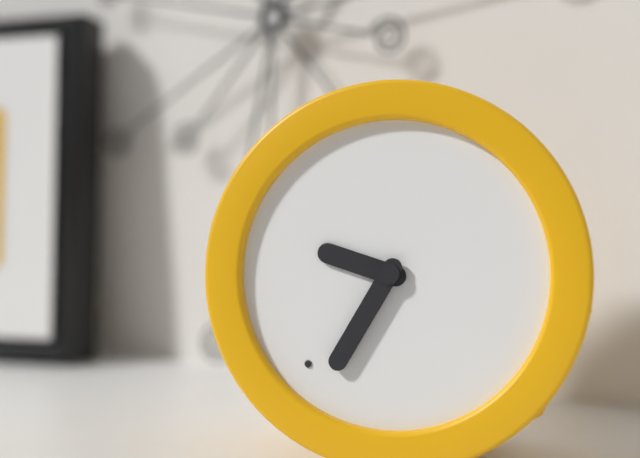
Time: {"hour": 9, "minute": 35}
